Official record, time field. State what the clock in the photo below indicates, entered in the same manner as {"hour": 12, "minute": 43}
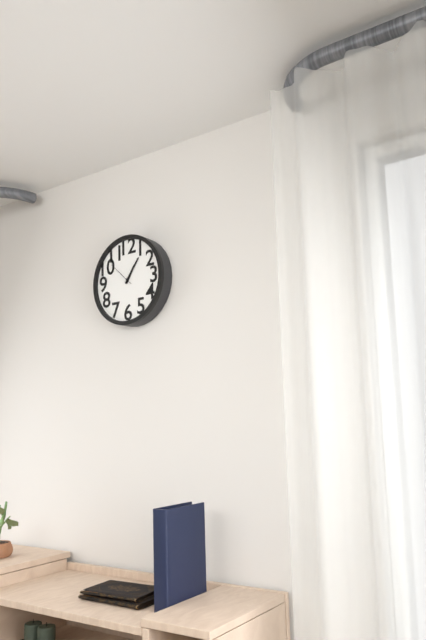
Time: {"hour": 1, "minute": 6}
